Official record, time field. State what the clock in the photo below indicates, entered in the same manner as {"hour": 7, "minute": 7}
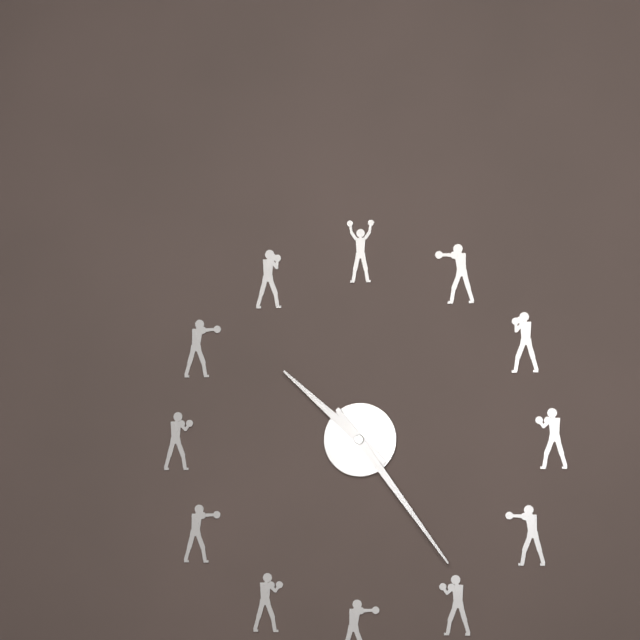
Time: {"hour": 10, "minute": 24}
